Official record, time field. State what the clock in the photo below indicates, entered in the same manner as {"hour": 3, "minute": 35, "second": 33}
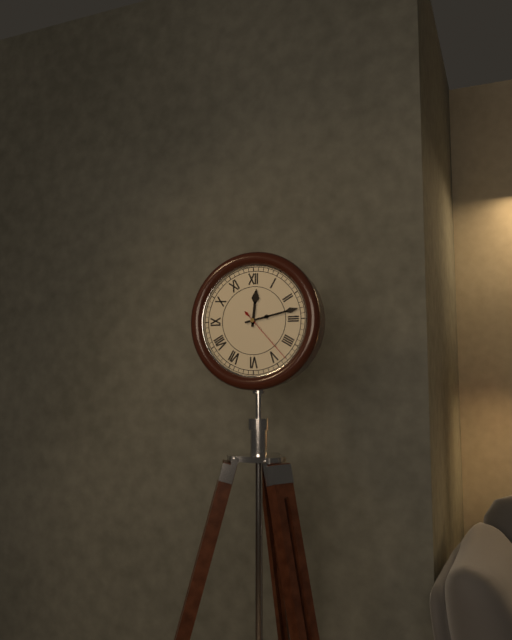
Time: {"hour": 12, "minute": 13, "second": 23}
